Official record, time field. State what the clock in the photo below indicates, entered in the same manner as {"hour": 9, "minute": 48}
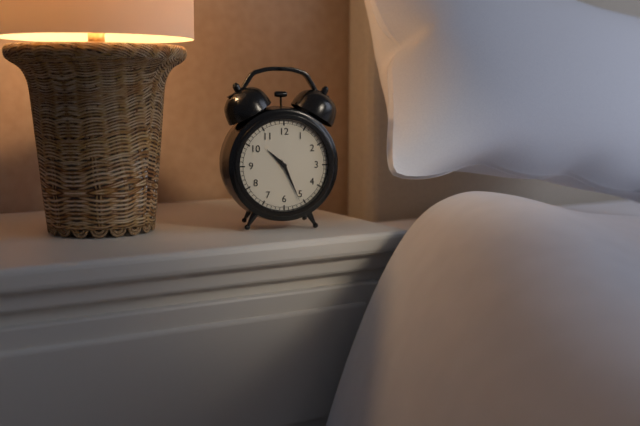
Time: {"hour": 10, "minute": 26}
